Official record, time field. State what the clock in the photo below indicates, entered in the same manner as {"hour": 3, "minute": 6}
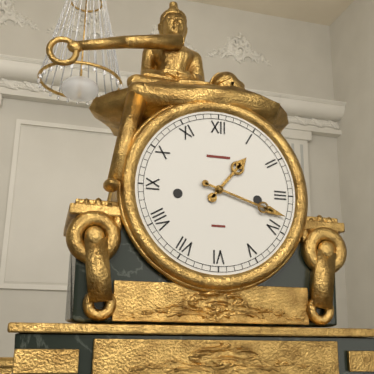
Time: {"hour": 1, "minute": 18}
